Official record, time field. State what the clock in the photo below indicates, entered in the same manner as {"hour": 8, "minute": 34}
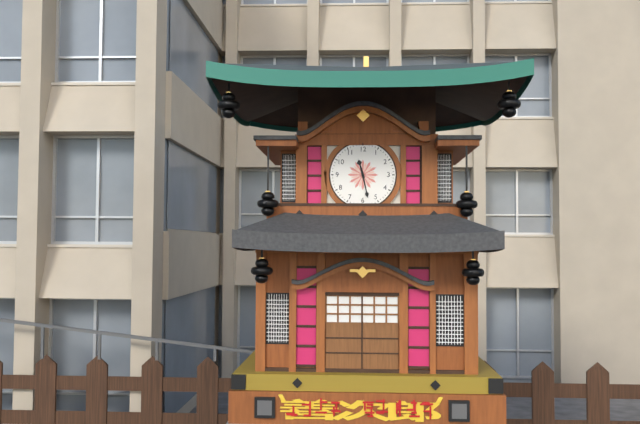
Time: {"hour": 11, "minute": 28}
